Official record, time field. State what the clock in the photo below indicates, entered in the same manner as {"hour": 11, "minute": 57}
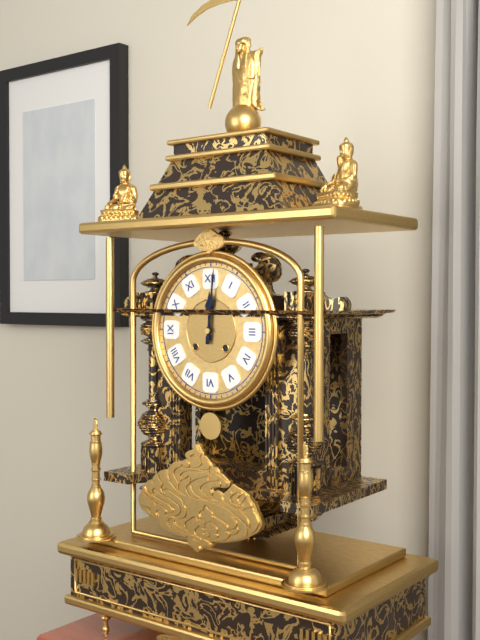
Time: {"hour": 12, "minute": 1}
